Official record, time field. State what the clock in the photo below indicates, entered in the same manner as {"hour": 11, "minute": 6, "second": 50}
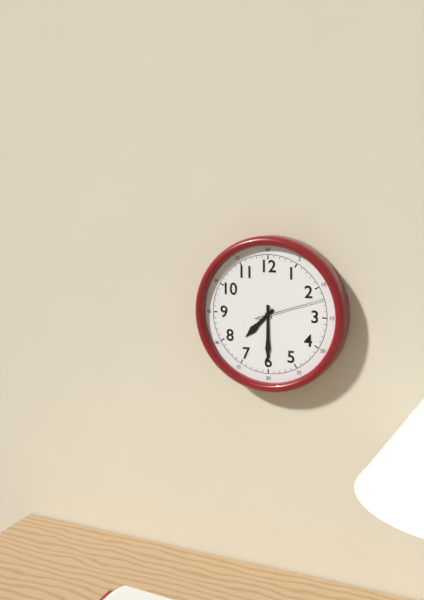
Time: {"hour": 7, "minute": 30, "second": 12}
